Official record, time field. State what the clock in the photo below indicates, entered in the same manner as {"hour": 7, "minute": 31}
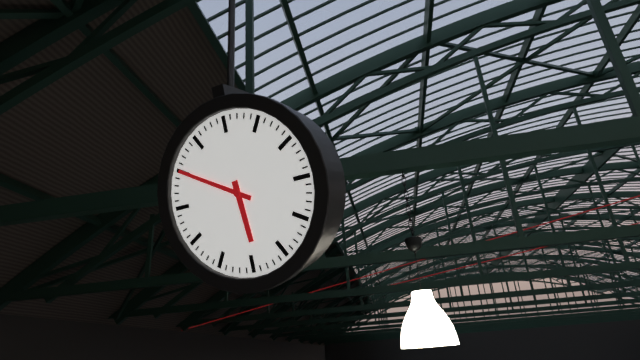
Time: {"hour": 5, "minute": 50}
